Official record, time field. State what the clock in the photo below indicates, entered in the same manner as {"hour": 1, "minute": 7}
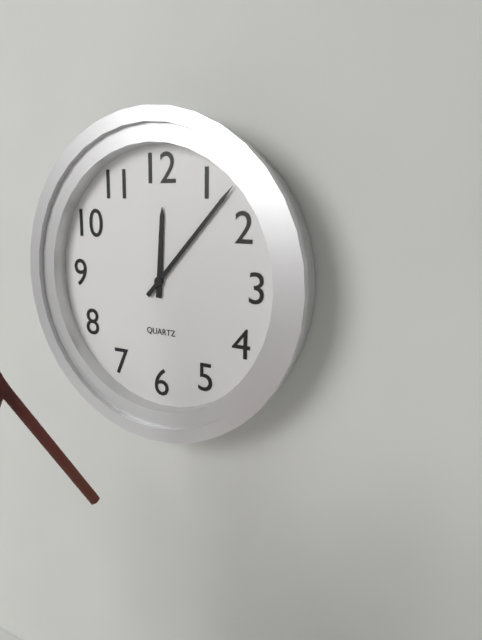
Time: {"hour": 12, "minute": 7}
